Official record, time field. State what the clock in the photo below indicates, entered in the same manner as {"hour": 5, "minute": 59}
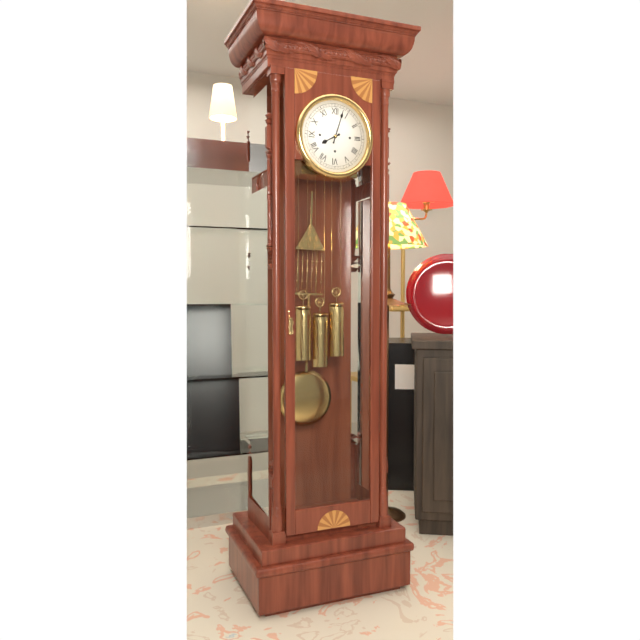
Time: {"hour": 8, "minute": 3}
